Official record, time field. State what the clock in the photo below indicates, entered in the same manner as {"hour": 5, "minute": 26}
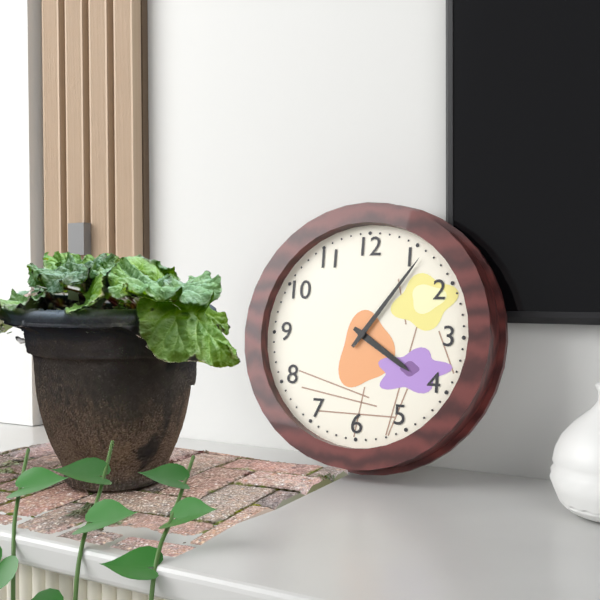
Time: {"hour": 4, "minute": 6}
